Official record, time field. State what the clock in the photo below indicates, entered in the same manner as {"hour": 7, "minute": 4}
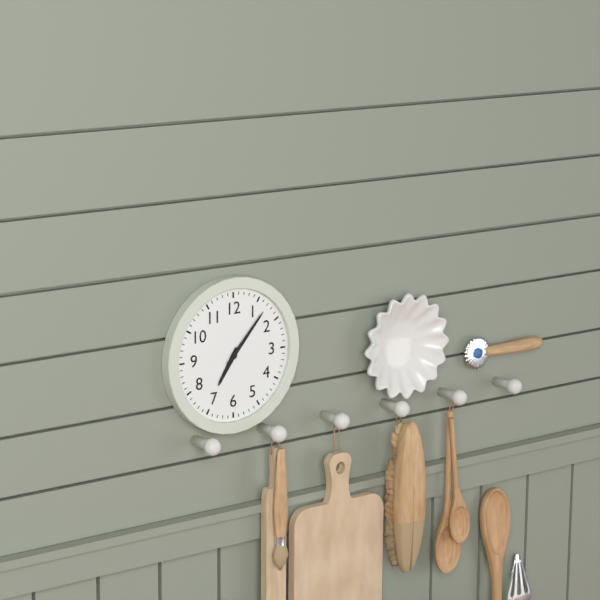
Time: {"hour": 7, "minute": 7}
